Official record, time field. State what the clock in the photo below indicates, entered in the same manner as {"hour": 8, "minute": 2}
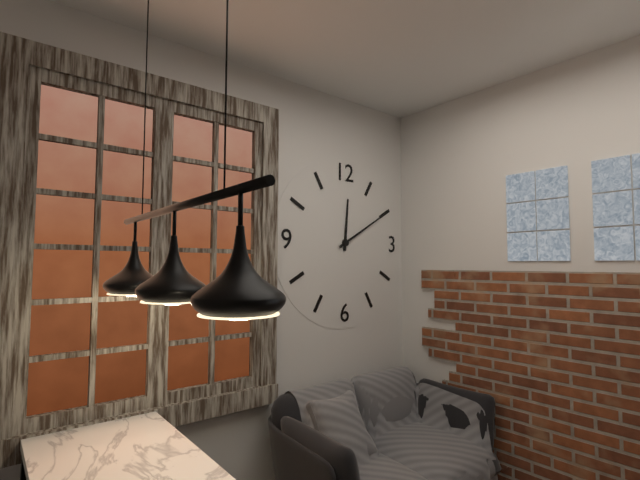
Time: {"hour": 12, "minute": 10}
